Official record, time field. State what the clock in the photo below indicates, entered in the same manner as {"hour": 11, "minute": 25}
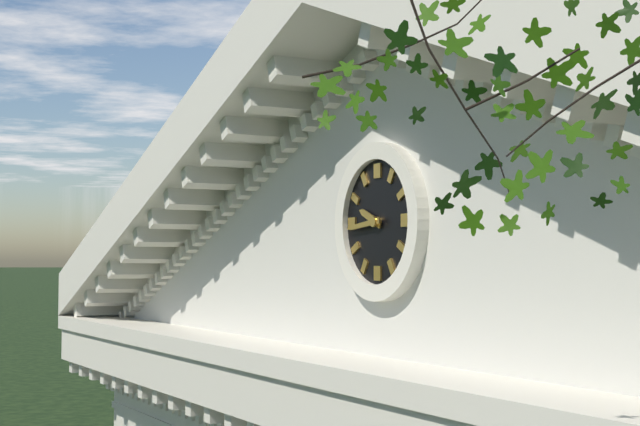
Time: {"hour": 9, "minute": 44}
